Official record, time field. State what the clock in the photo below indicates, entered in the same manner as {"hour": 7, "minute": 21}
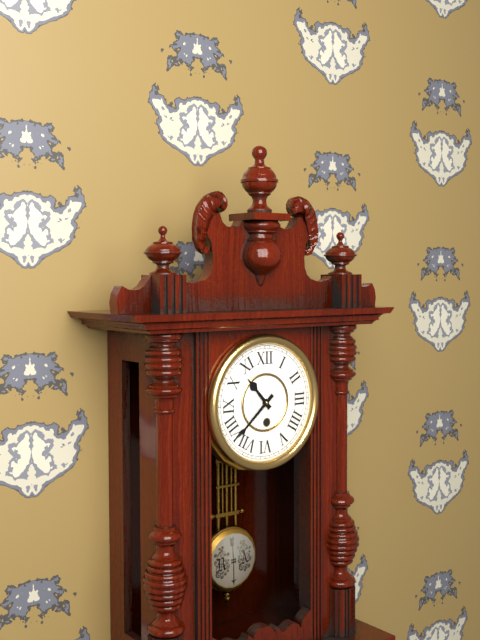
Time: {"hour": 10, "minute": 38}
